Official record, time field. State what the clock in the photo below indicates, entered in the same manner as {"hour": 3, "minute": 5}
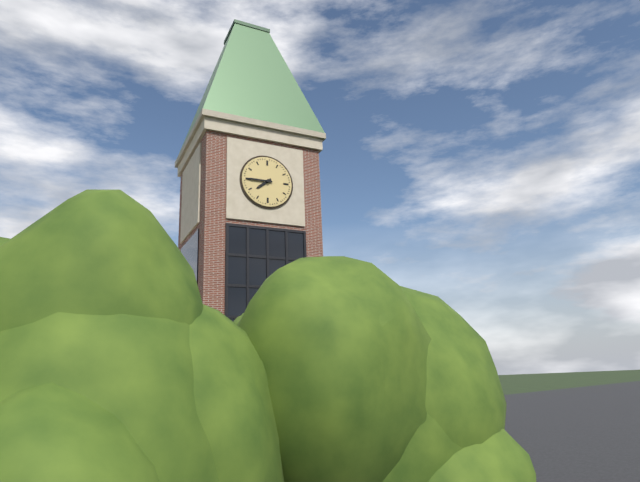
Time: {"hour": 7, "minute": 45}
